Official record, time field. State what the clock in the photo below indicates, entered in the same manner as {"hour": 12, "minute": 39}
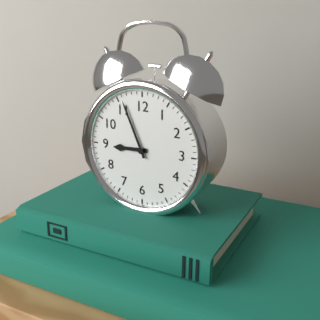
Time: {"hour": 8, "minute": 56}
